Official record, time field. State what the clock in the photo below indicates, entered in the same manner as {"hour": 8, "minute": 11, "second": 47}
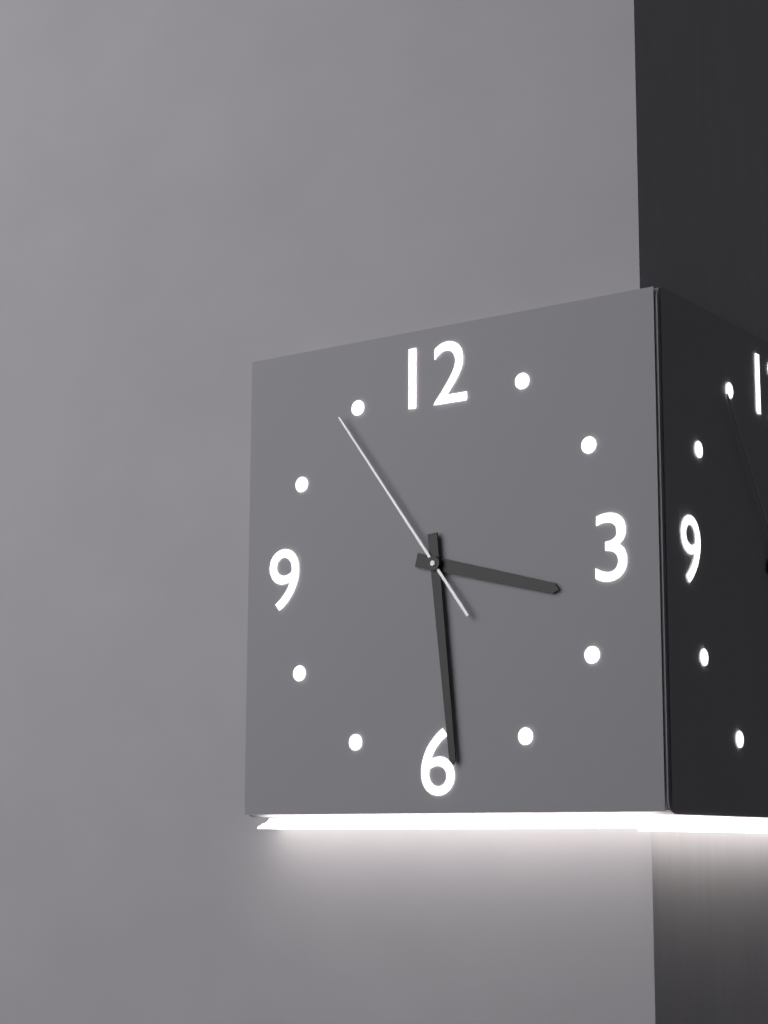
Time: {"hour": 3, "minute": 29, "second": 54}
